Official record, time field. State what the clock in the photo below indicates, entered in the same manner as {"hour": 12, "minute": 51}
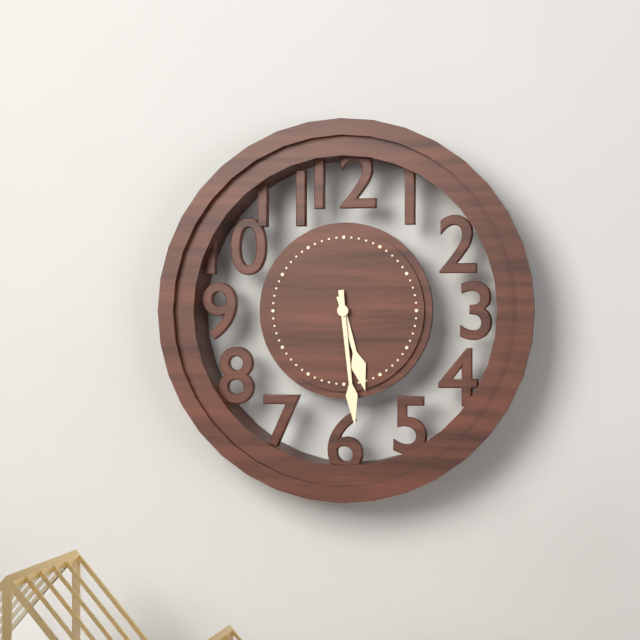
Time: {"hour": 5, "minute": 29}
